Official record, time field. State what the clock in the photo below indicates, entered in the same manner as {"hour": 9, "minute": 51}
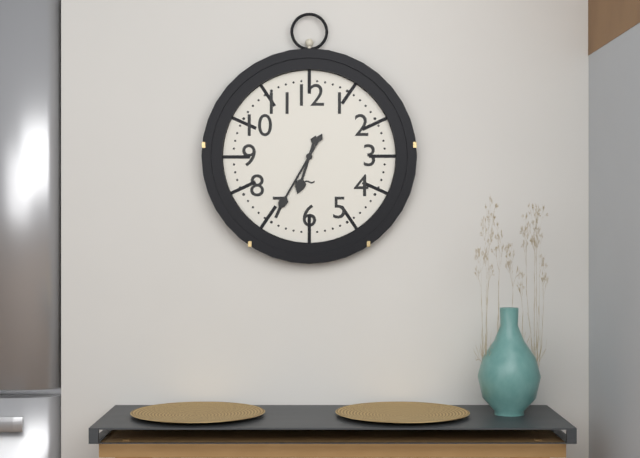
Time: {"hour": 6, "minute": 35}
